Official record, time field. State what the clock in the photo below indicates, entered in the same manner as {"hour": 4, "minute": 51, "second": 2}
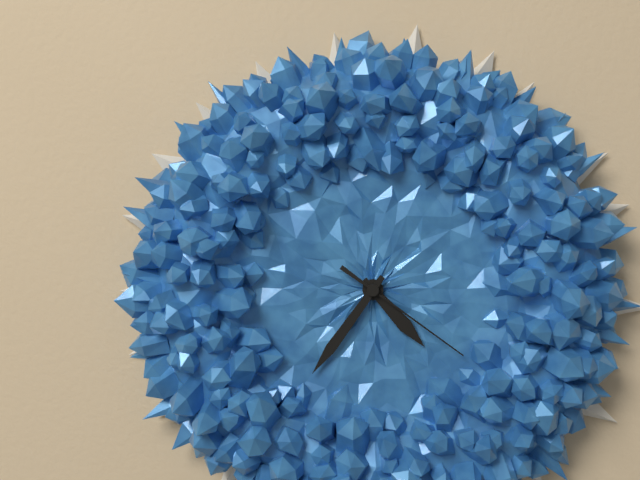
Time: {"hour": 4, "minute": 36, "second": 21}
